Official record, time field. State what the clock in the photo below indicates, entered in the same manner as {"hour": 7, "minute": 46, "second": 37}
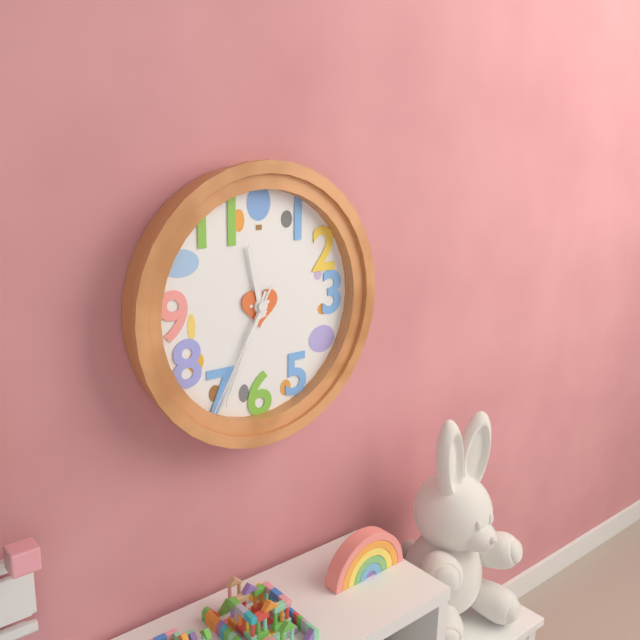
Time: {"hour": 11, "minute": 34, "second": 35}
